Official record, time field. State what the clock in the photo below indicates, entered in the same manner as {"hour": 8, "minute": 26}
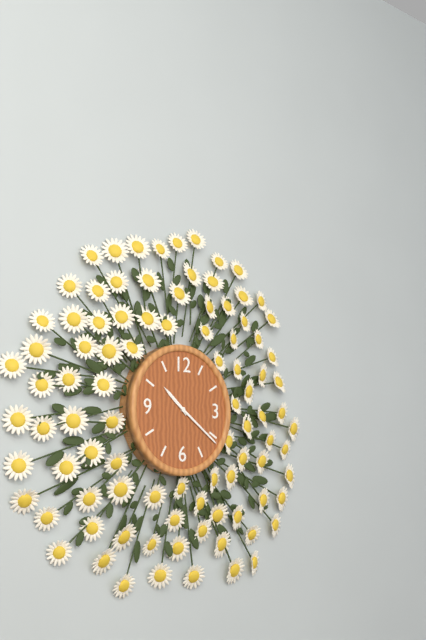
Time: {"hour": 10, "minute": 21}
